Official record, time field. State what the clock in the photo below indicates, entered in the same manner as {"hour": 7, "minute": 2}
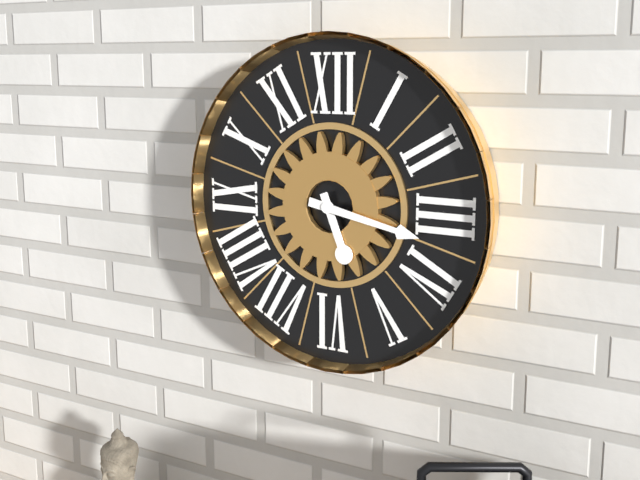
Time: {"hour": 5, "minute": 17}
